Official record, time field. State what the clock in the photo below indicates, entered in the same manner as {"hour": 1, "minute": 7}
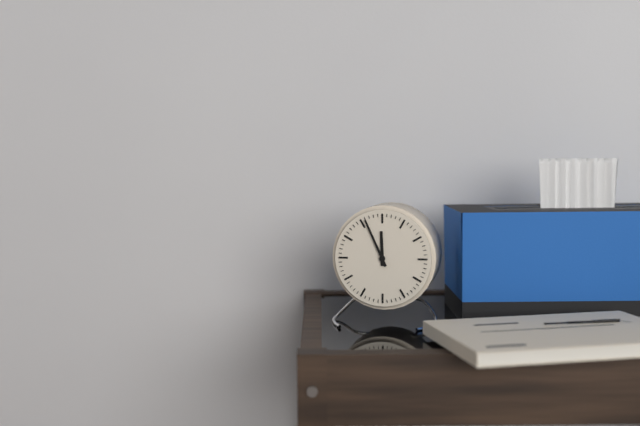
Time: {"hour": 11, "minute": 56}
